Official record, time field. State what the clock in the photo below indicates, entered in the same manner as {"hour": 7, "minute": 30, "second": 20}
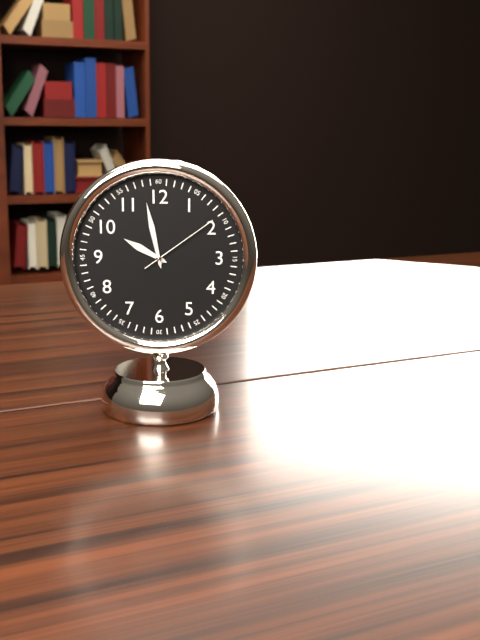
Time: {"hour": 9, "minute": 58, "second": 9}
